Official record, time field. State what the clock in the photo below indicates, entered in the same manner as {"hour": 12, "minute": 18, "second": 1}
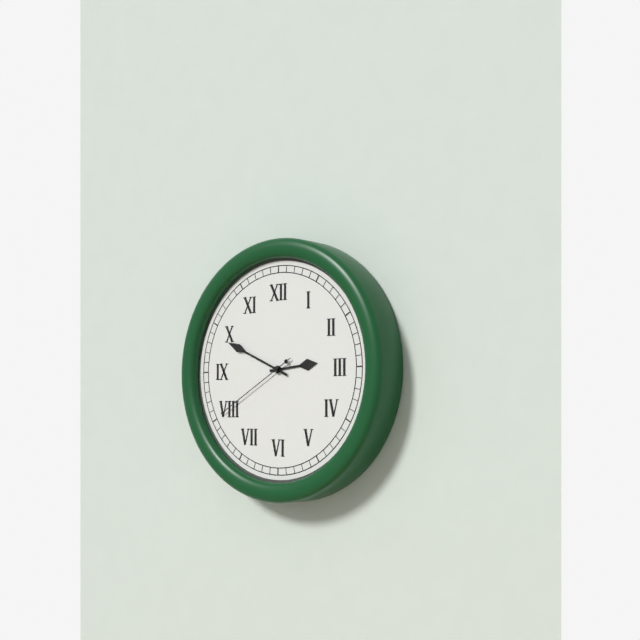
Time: {"hour": 2, "minute": 49, "second": 40}
